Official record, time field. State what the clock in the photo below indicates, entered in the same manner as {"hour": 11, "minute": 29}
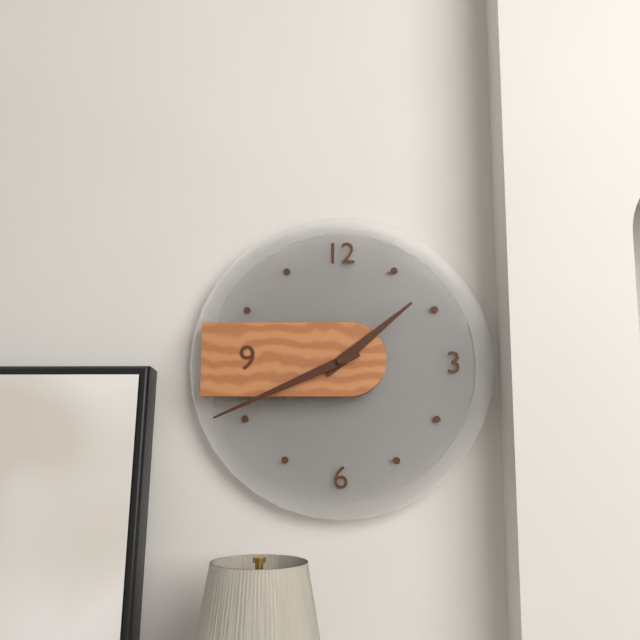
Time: {"hour": 1, "minute": 41}
